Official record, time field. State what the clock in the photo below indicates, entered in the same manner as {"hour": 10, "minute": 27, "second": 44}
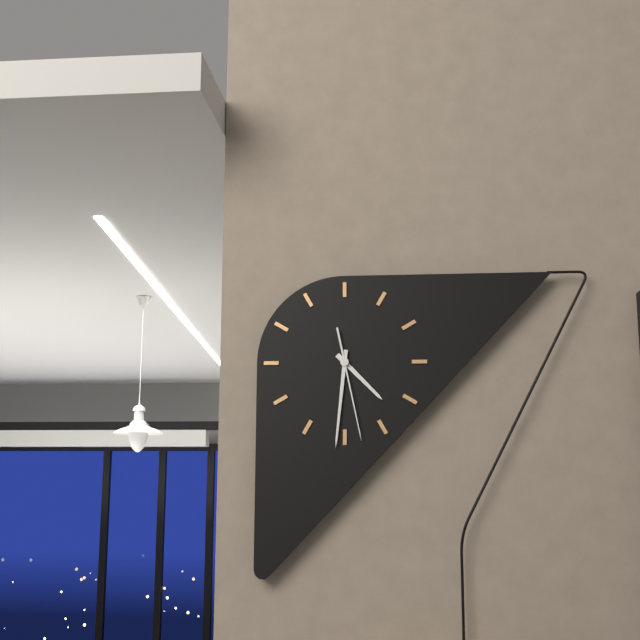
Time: {"hour": 4, "minute": 31, "second": 28}
